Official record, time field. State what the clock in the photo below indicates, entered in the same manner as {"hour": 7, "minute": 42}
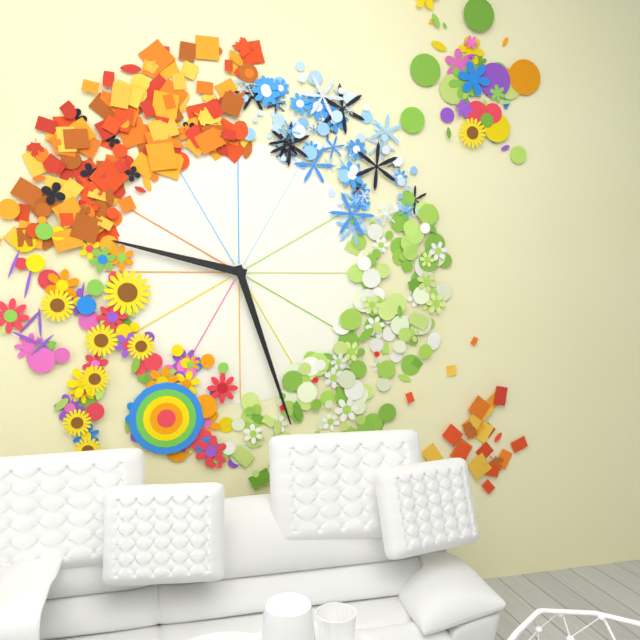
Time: {"hour": 9, "minute": 27}
